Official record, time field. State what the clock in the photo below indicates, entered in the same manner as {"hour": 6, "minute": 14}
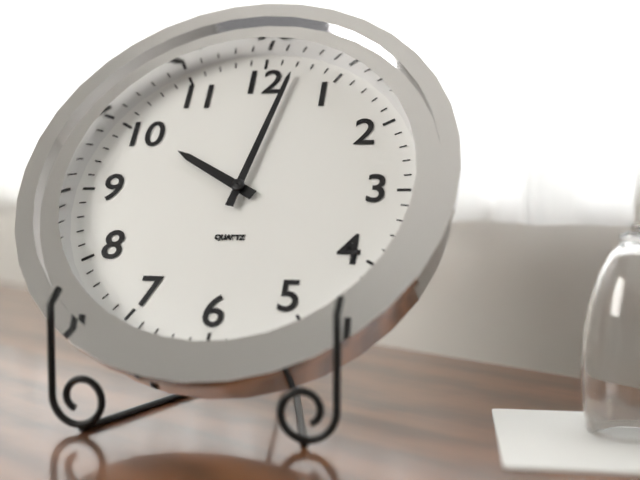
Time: {"hour": 10, "minute": 2}
